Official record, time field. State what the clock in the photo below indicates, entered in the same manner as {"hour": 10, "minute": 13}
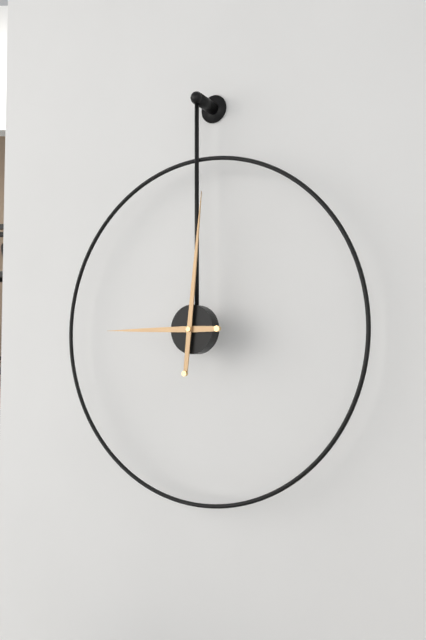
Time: {"hour": 9, "minute": 1}
